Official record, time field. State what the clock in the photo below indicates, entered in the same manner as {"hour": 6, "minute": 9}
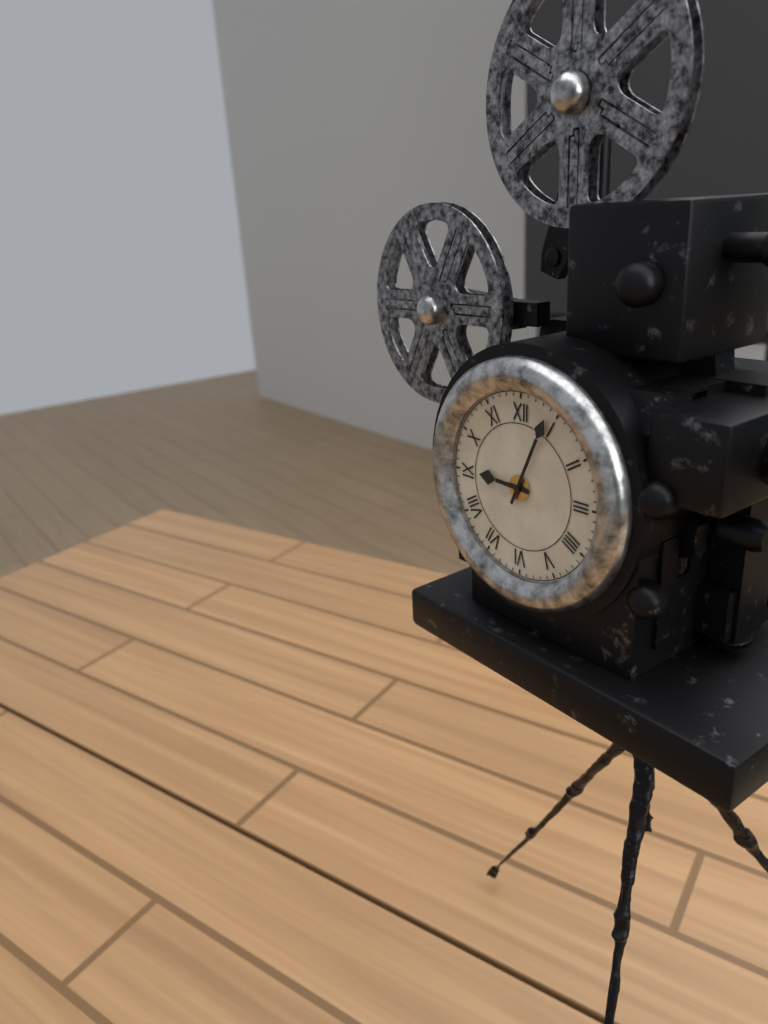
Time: {"hour": 9, "minute": 4}
